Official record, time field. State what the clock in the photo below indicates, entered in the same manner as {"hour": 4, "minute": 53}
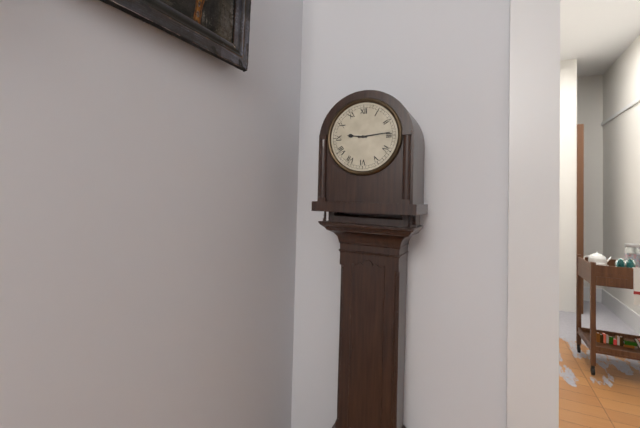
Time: {"hour": 9, "minute": 14}
